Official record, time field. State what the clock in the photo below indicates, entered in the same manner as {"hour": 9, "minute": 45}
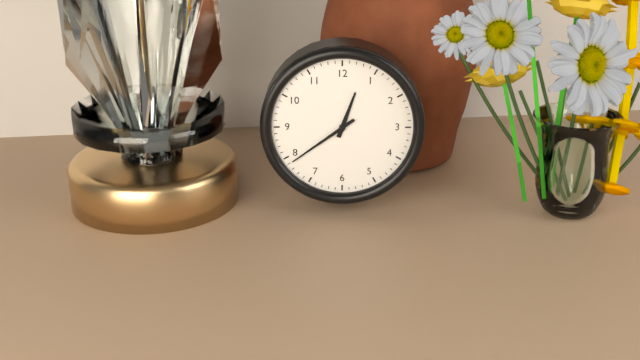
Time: {"hour": 12, "minute": 39}
